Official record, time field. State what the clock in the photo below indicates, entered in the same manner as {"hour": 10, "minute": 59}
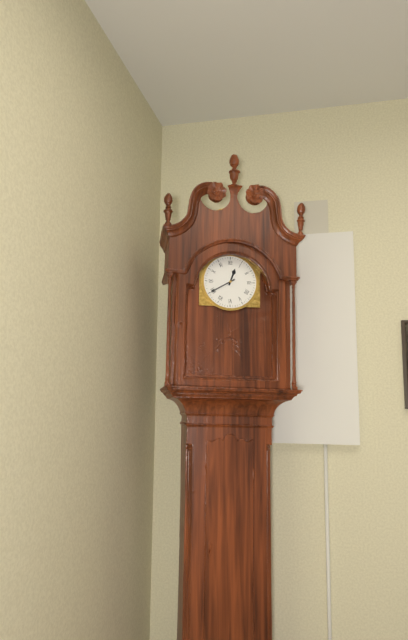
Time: {"hour": 12, "minute": 40}
